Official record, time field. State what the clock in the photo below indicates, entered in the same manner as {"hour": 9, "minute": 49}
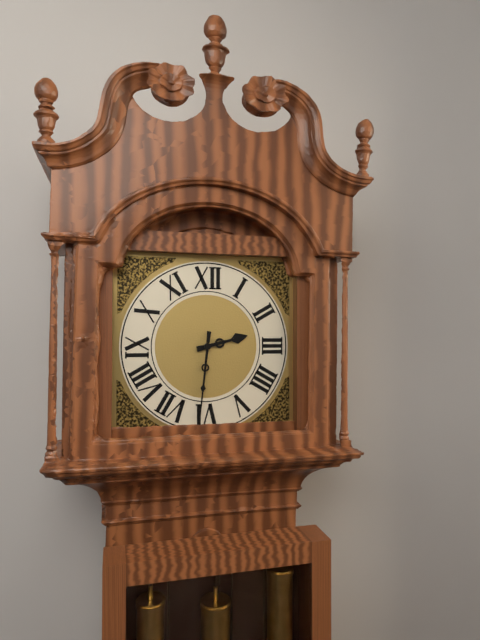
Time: {"hour": 2, "minute": 31}
